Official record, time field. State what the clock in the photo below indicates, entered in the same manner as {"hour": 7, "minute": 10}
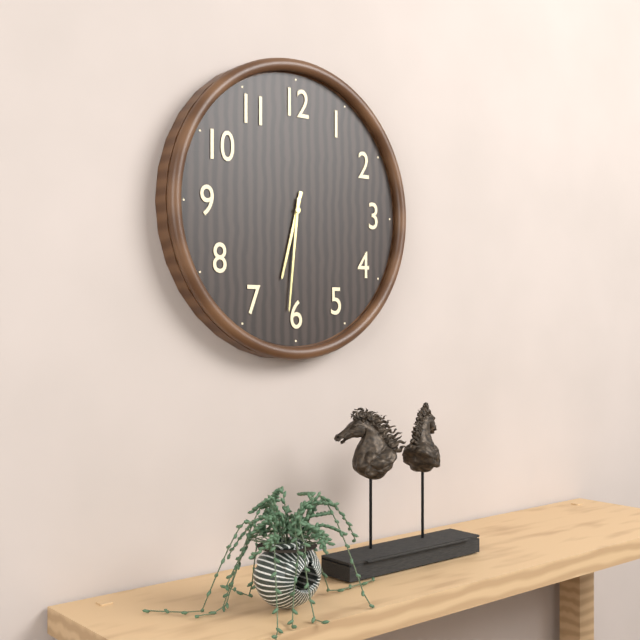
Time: {"hour": 6, "minute": 31}
